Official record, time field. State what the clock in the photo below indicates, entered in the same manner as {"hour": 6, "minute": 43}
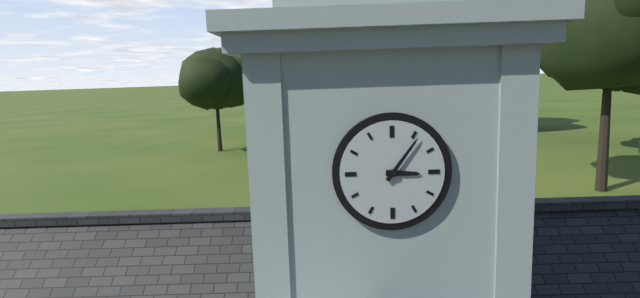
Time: {"hour": 3, "minute": 6}
